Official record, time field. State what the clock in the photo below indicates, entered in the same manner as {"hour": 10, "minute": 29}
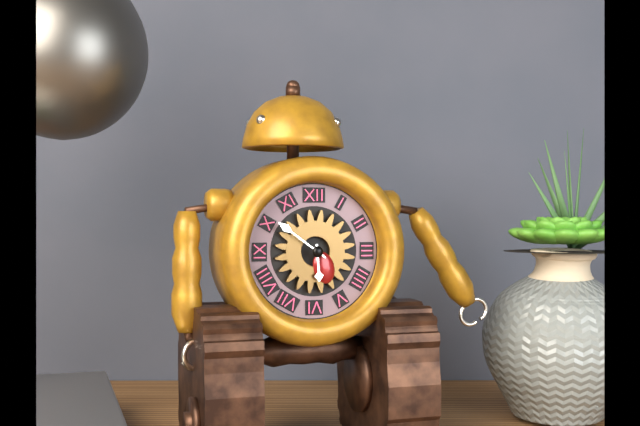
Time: {"hour": 5, "minute": 51}
